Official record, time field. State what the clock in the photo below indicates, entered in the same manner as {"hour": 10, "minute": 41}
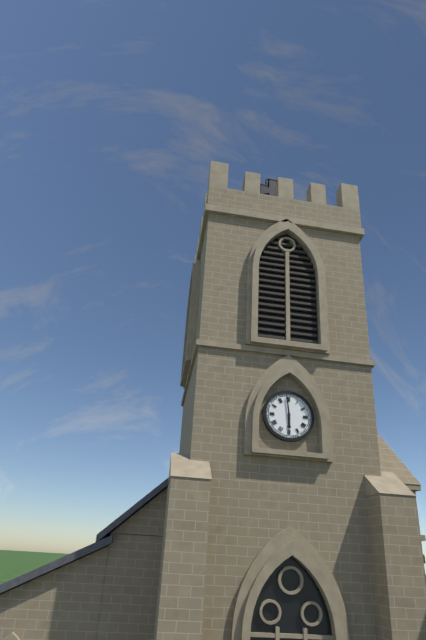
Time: {"hour": 5, "minute": 59}
